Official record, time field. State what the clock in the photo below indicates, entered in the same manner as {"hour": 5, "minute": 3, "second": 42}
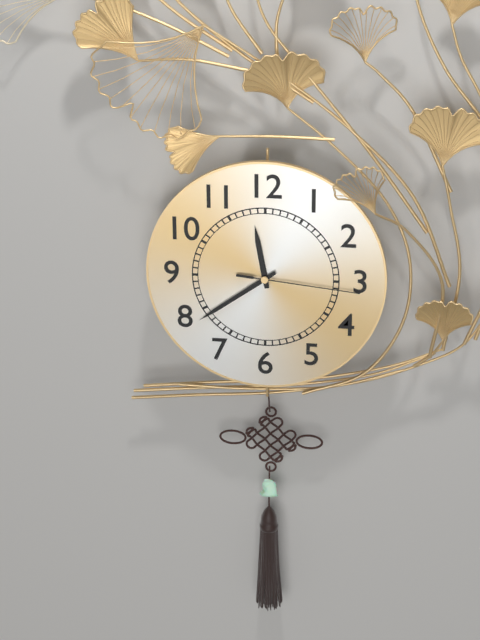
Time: {"hour": 11, "minute": 39, "second": 16}
